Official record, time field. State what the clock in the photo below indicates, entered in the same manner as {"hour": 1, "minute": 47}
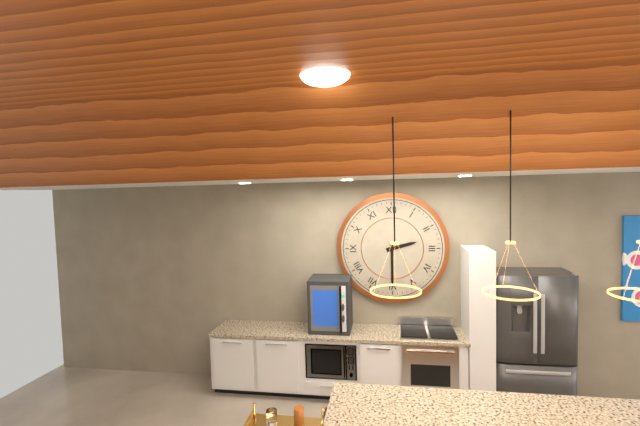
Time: {"hour": 2, "minute": 30}
